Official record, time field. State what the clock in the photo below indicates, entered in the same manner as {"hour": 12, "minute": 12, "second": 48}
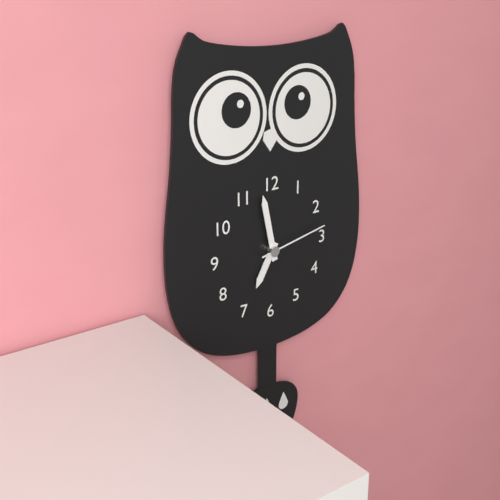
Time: {"hour": 6, "minute": 58, "second": 13}
